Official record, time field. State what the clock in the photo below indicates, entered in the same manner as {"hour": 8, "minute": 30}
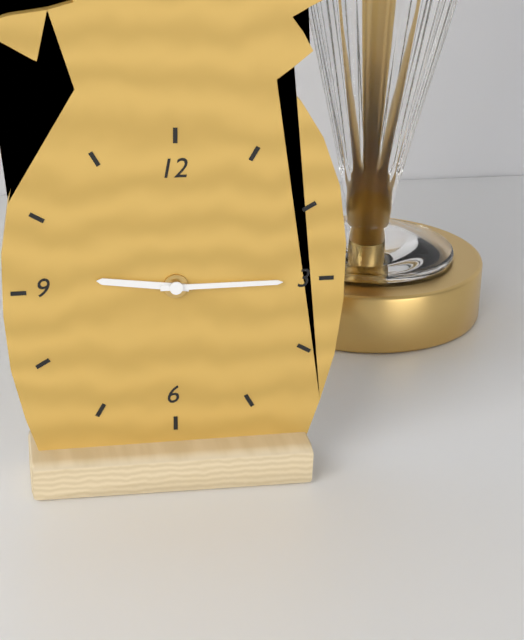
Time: {"hour": 9, "minute": 15}
